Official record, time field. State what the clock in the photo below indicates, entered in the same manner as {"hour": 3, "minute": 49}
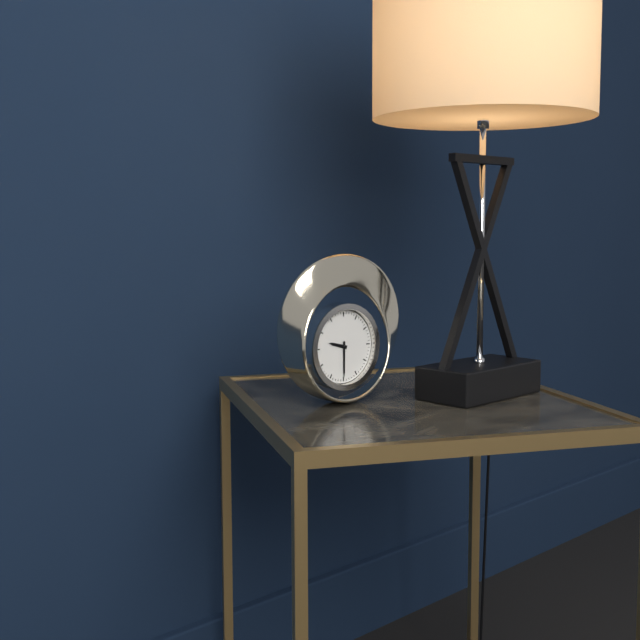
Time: {"hour": 9, "minute": 30}
